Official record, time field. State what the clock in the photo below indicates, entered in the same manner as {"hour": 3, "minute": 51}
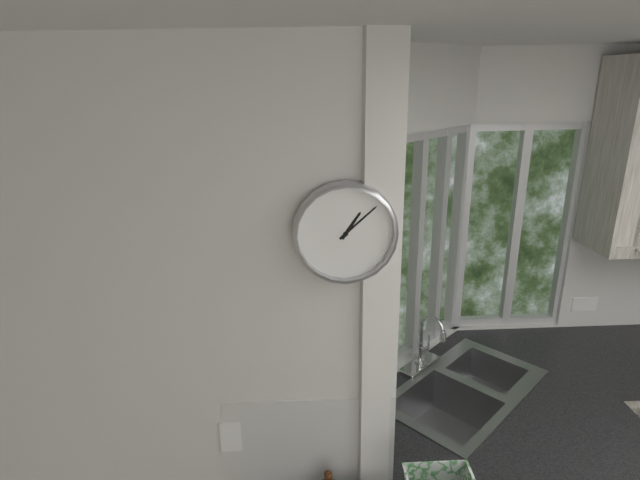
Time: {"hour": 1, "minute": 8}
